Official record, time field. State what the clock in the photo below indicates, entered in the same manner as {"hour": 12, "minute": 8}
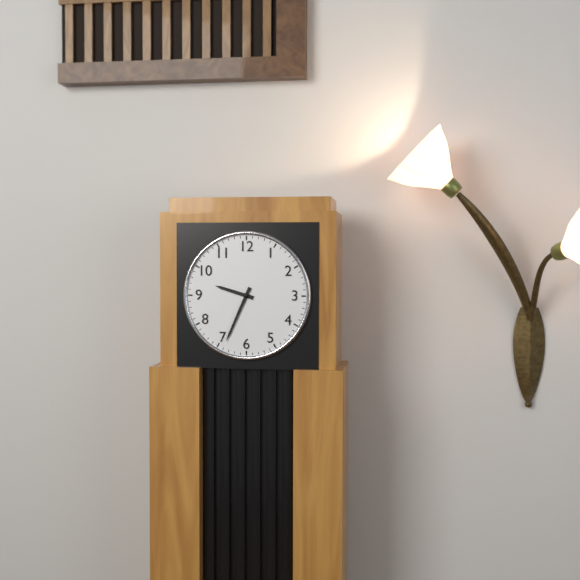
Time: {"hour": 9, "minute": 34}
